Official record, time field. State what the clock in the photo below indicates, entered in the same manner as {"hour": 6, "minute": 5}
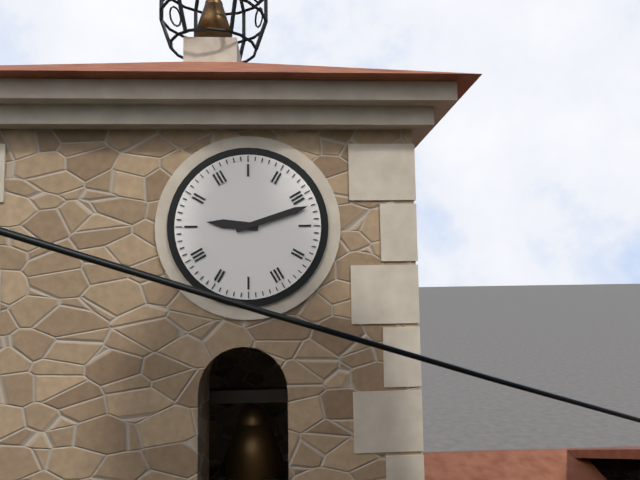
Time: {"hour": 9, "minute": 12}
